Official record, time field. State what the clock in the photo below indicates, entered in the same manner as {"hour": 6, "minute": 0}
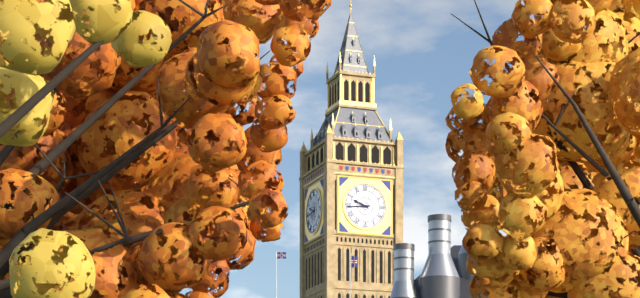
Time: {"hour": 9, "minute": 44}
